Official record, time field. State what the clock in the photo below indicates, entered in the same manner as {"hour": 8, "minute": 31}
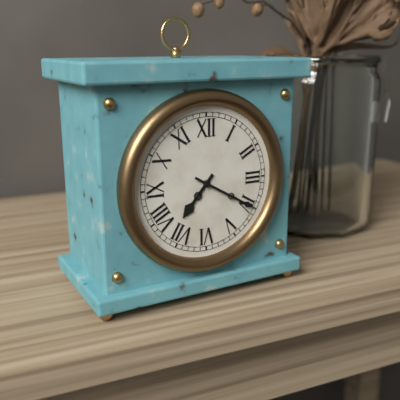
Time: {"hour": 7, "minute": 20}
